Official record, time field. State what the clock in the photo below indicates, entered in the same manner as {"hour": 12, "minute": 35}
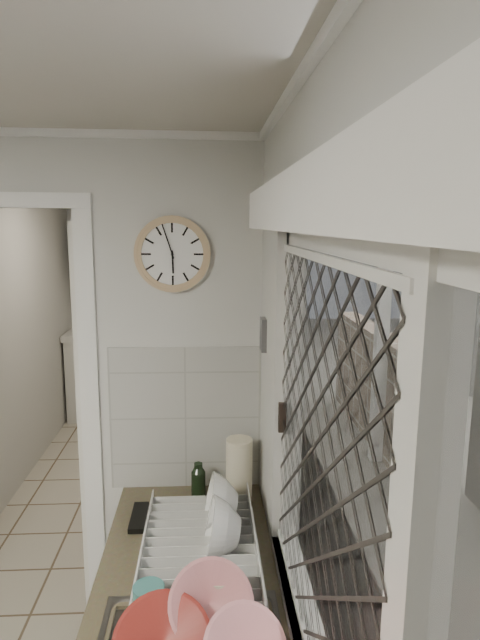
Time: {"hour": 5, "minute": 57}
